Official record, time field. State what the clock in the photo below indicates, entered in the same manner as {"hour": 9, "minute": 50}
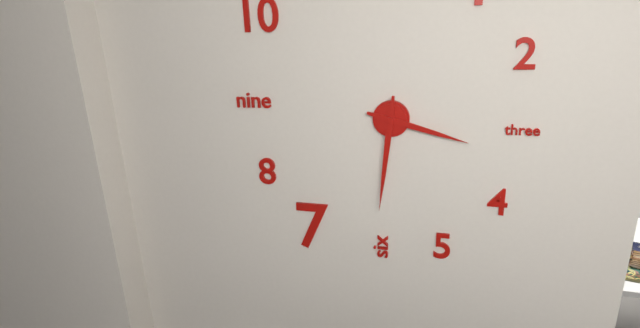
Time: {"hour": 3, "minute": 31}
